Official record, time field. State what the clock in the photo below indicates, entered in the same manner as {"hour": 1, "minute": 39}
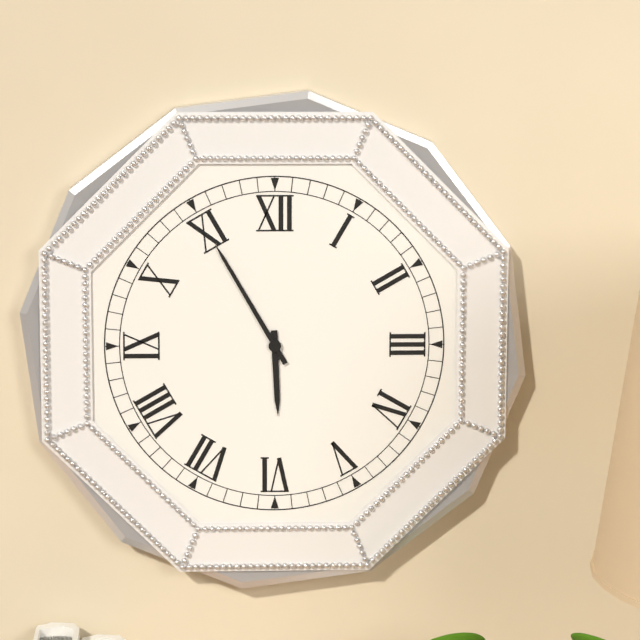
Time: {"hour": 5, "minute": 55}
